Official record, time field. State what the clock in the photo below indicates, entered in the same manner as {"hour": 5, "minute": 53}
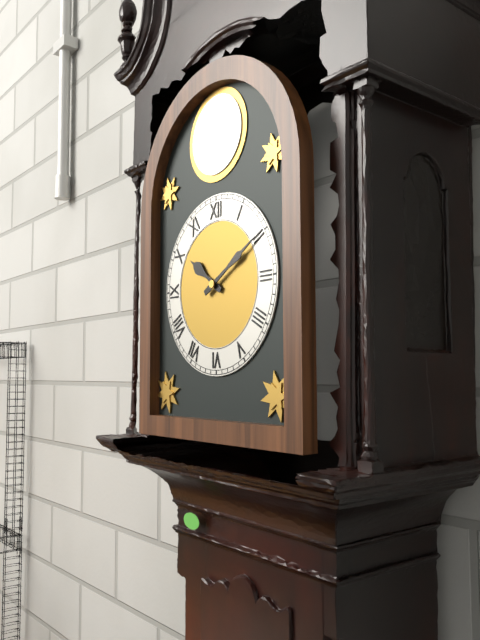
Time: {"hour": 10, "minute": 10}
